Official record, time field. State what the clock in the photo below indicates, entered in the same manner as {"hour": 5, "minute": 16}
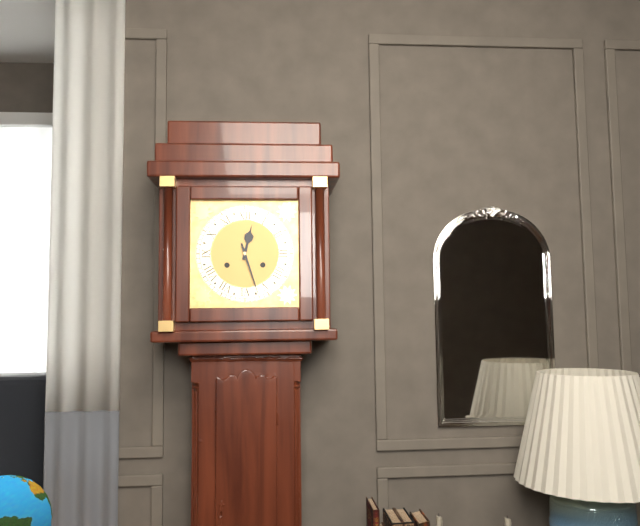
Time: {"hour": 12, "minute": 27}
